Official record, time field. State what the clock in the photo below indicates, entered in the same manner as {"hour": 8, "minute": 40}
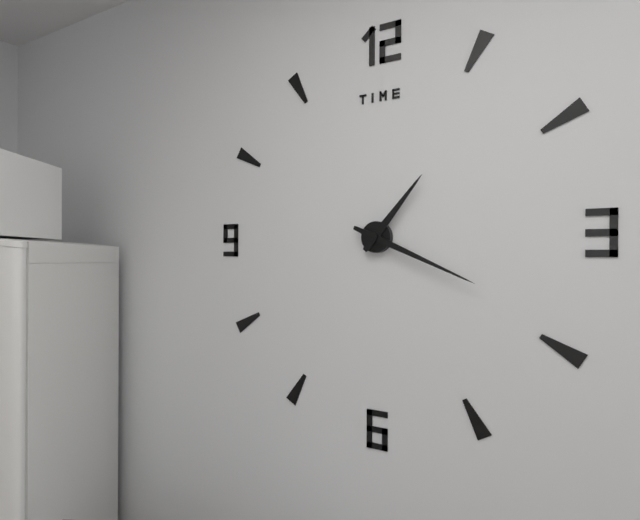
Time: {"hour": 1, "minute": 19}
